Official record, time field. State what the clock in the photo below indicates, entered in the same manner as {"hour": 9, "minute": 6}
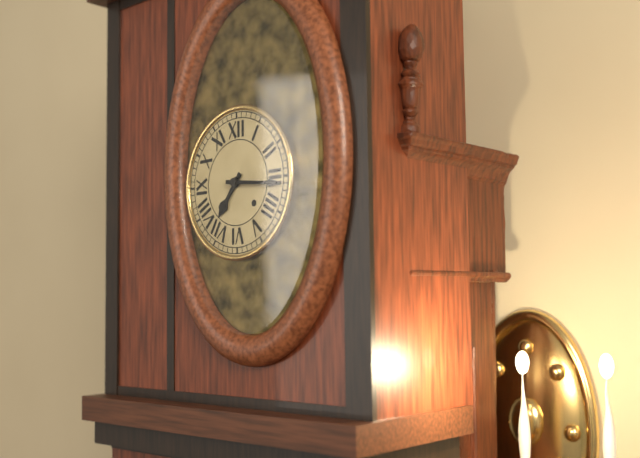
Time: {"hour": 7, "minute": 16}
